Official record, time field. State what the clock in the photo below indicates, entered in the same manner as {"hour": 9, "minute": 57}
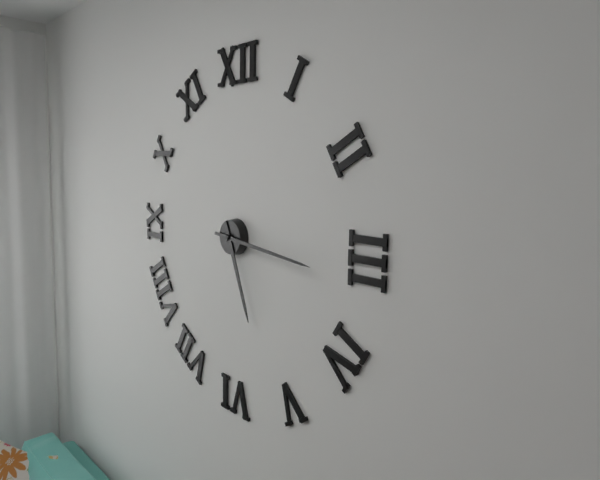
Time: {"hour": 5, "minute": 16}
